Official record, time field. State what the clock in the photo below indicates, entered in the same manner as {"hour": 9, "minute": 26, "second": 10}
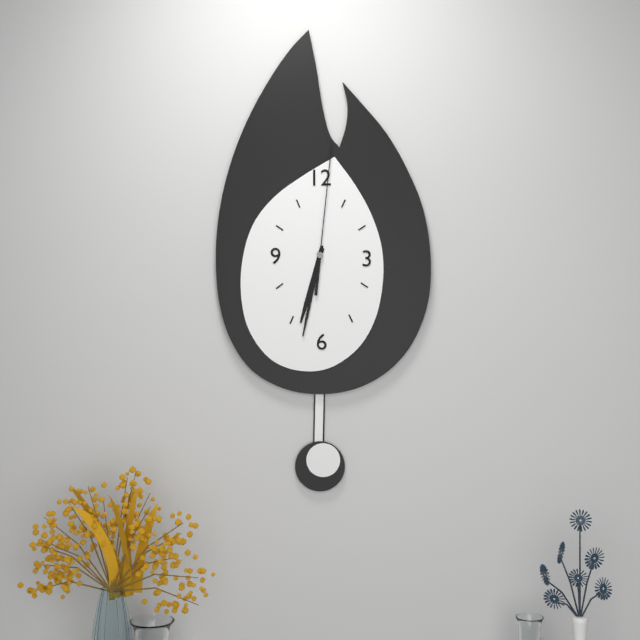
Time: {"hour": 6, "minute": 32, "second": 1}
